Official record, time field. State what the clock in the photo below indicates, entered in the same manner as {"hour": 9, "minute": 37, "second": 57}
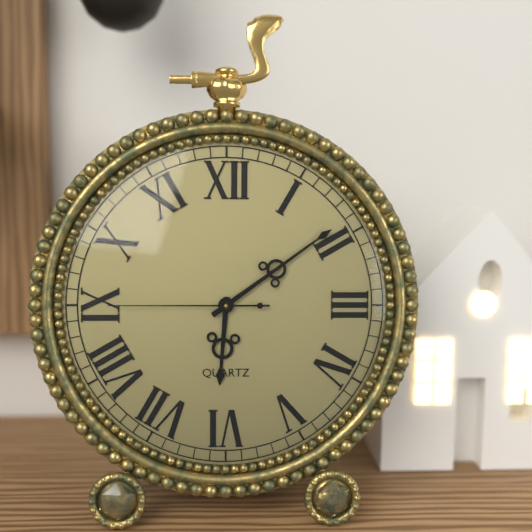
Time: {"hour": 6, "minute": 9, "second": 45}
